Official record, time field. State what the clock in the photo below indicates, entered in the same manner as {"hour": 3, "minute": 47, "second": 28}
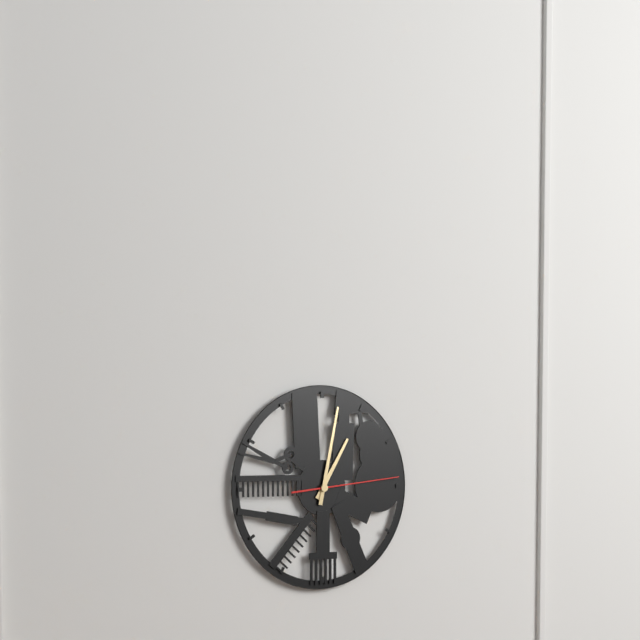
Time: {"hour": 1, "minute": 2, "second": 14}
